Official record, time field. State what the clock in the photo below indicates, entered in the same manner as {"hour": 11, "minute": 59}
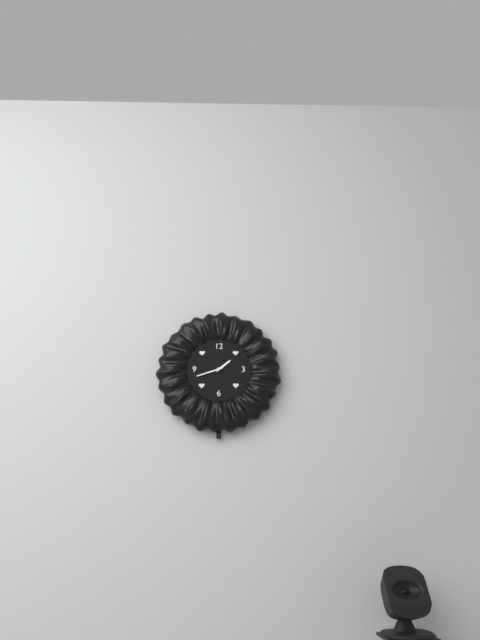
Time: {"hour": 1, "minute": 42}
